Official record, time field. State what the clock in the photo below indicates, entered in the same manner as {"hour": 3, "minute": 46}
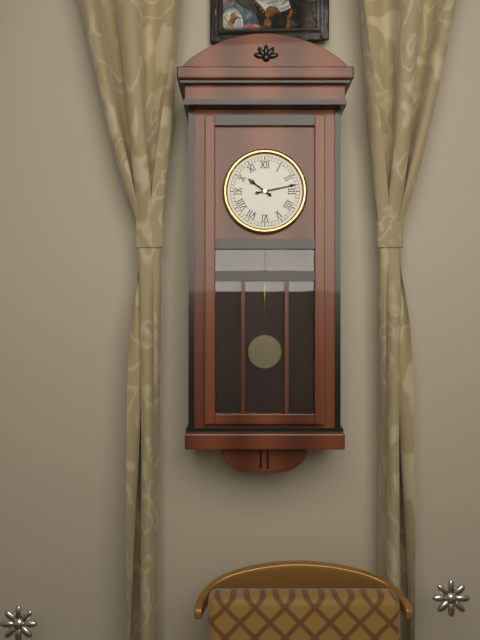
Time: {"hour": 10, "minute": 13}
